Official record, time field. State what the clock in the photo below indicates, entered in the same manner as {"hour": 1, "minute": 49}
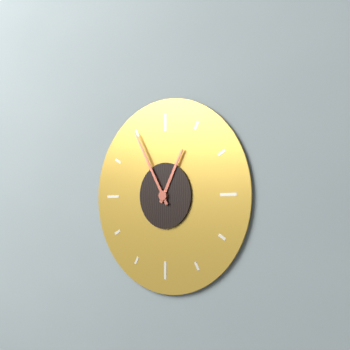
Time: {"hour": 12, "minute": 55}
